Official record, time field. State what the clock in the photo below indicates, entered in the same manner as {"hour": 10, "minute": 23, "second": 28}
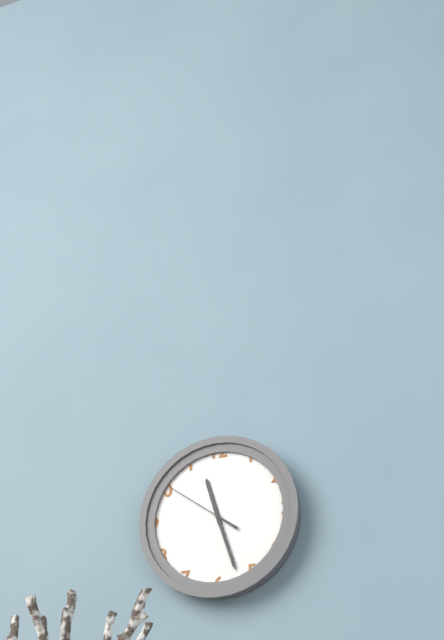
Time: {"hour": 11, "minute": 27, "second": 51}
